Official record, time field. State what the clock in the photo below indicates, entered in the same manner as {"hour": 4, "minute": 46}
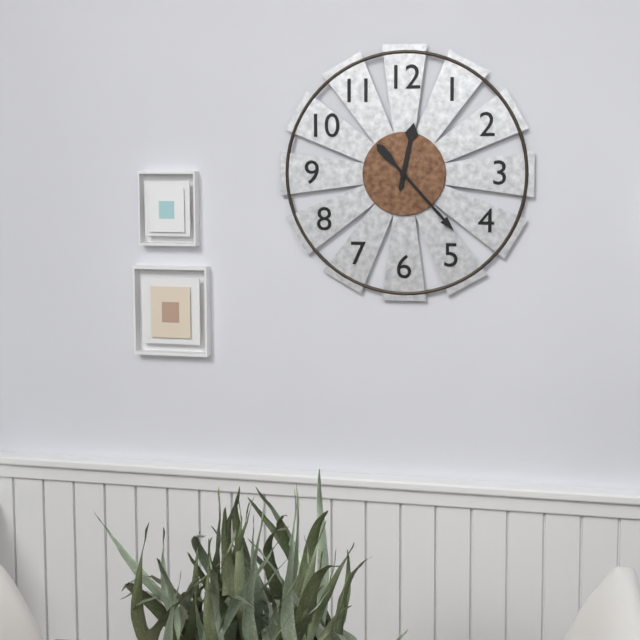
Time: {"hour": 12, "minute": 23}
